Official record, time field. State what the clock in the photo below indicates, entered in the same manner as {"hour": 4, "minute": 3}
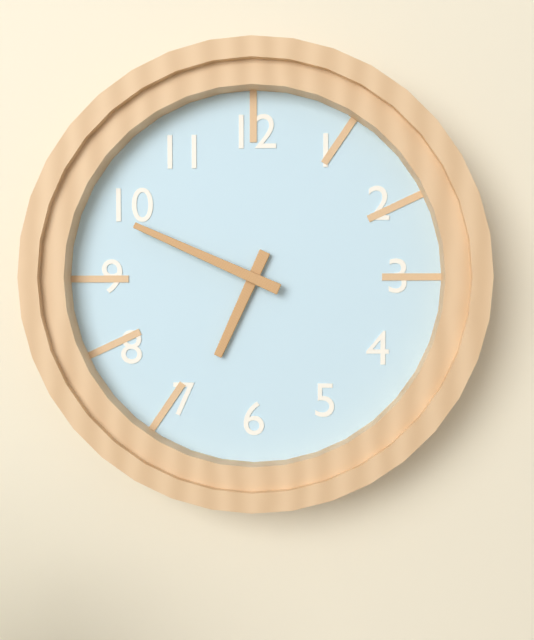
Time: {"hour": 6, "minute": 49}
